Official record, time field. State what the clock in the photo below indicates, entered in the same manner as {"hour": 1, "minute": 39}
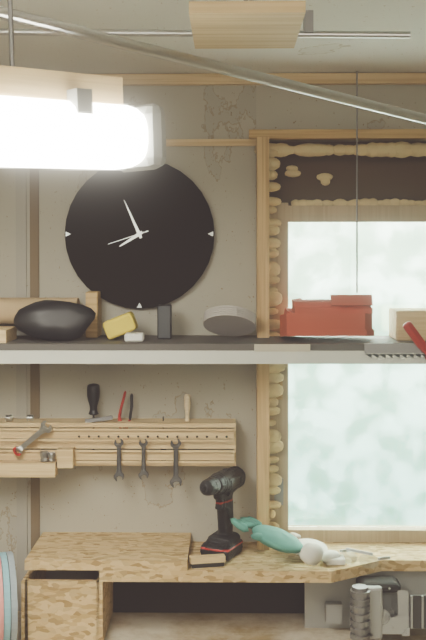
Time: {"hour": 7, "minute": 56}
